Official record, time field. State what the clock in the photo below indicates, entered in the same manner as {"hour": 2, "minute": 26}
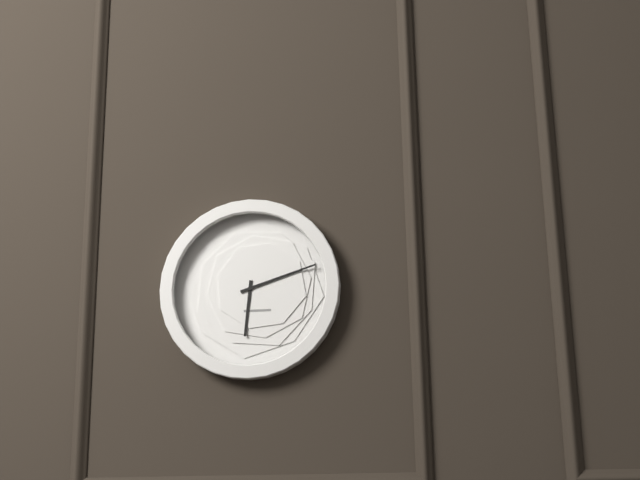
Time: {"hour": 6, "minute": 12}
